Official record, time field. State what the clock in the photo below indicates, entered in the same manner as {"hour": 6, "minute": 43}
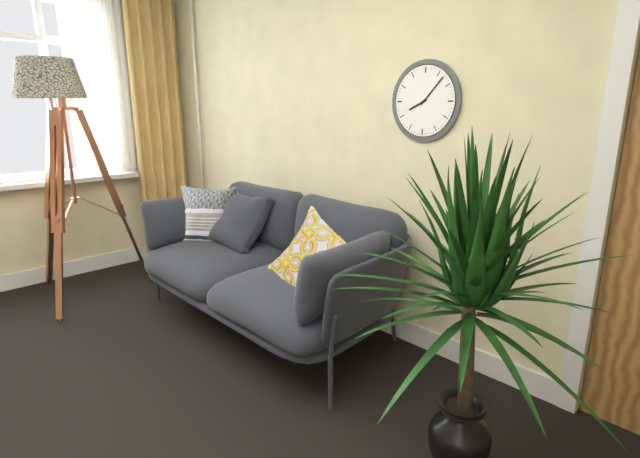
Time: {"hour": 8, "minute": 7}
